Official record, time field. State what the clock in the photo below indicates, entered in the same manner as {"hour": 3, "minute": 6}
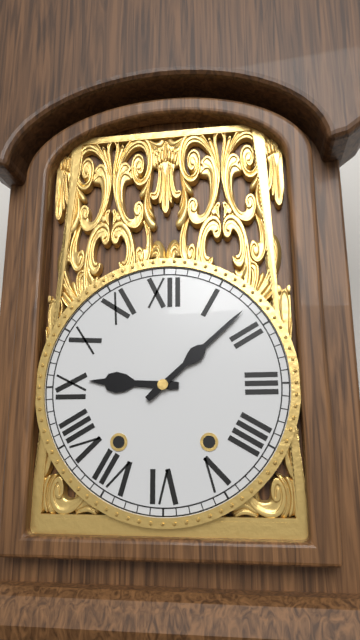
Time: {"hour": 9, "minute": 8}
